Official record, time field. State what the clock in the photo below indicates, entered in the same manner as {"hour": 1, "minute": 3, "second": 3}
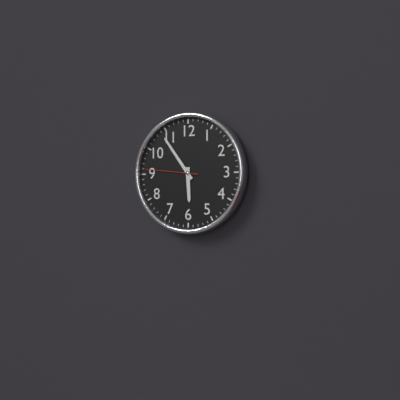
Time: {"hour": 5, "minute": 54, "second": 46}
